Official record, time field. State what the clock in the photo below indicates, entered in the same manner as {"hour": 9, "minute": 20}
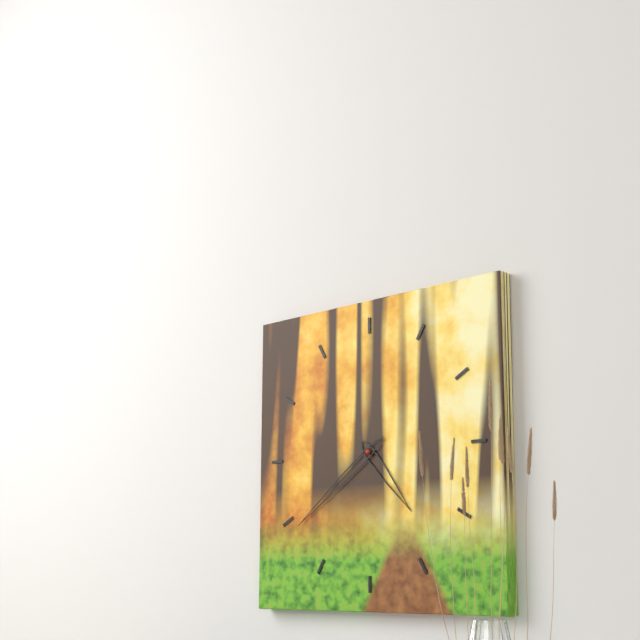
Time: {"hour": 4, "minute": 39}
